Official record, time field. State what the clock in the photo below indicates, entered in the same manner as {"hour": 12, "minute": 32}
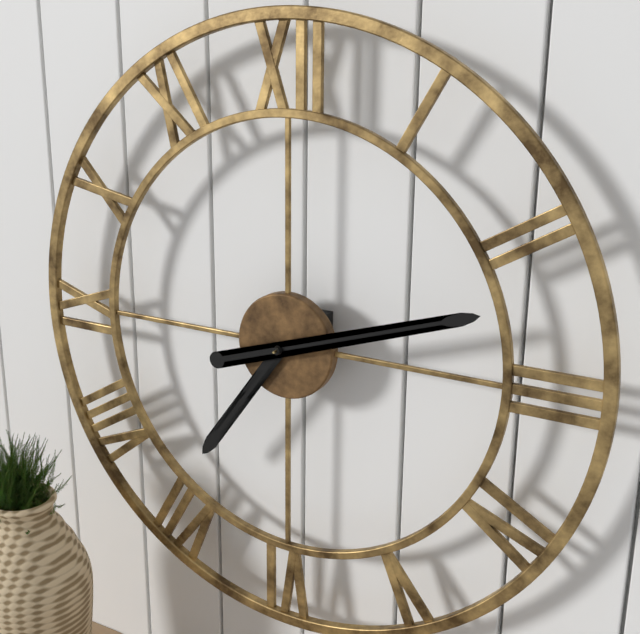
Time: {"hour": 7, "minute": 12}
